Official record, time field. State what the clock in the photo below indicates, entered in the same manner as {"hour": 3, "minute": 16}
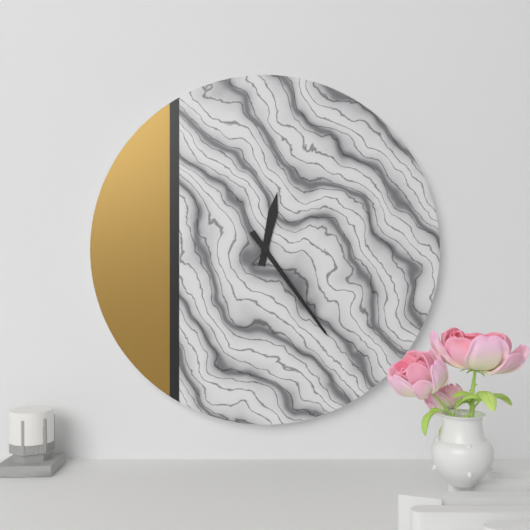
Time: {"hour": 12, "minute": 24}
